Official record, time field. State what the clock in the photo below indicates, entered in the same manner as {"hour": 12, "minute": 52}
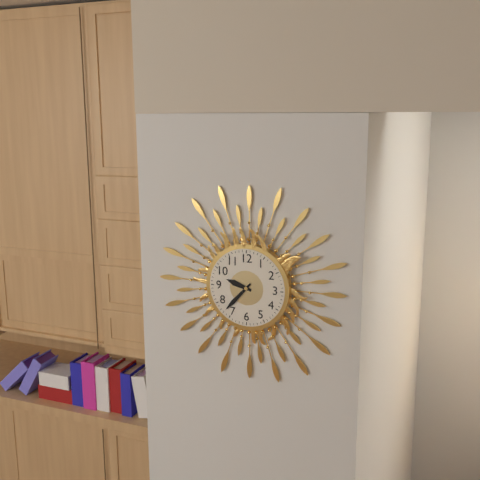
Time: {"hour": 9, "minute": 37}
